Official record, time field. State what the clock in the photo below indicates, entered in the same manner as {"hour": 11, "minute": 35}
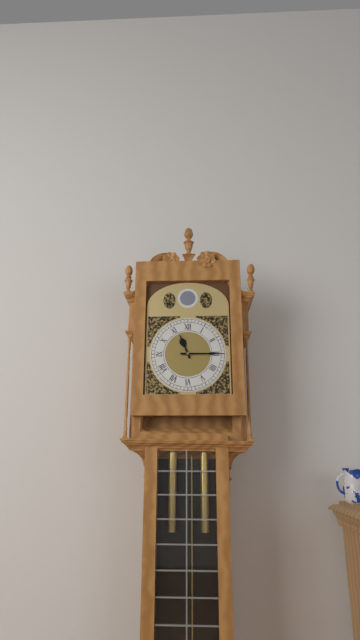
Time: {"hour": 11, "minute": 15}
